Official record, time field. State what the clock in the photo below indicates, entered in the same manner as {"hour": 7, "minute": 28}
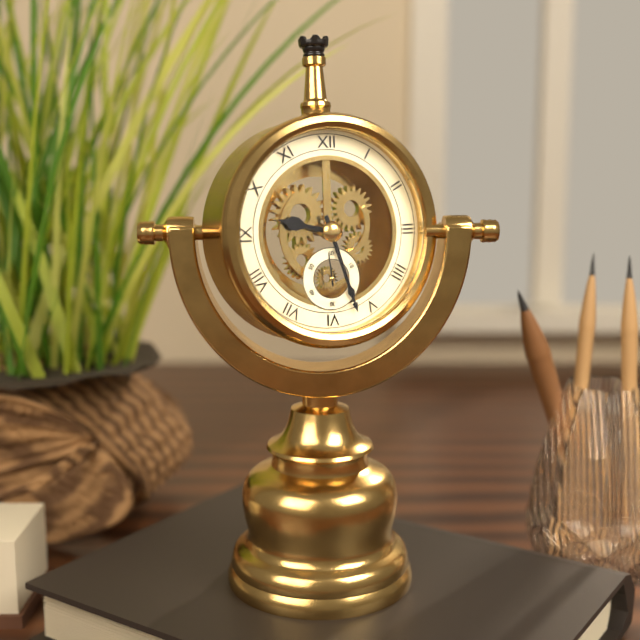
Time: {"hour": 9, "minute": 27}
